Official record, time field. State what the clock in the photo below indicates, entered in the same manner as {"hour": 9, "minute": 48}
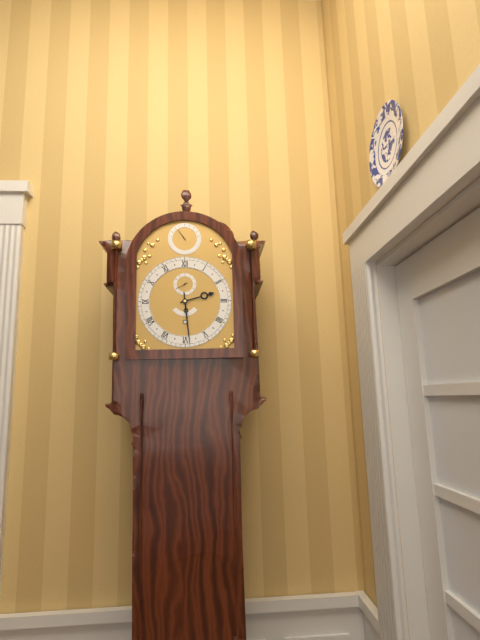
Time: {"hour": 2, "minute": 29}
